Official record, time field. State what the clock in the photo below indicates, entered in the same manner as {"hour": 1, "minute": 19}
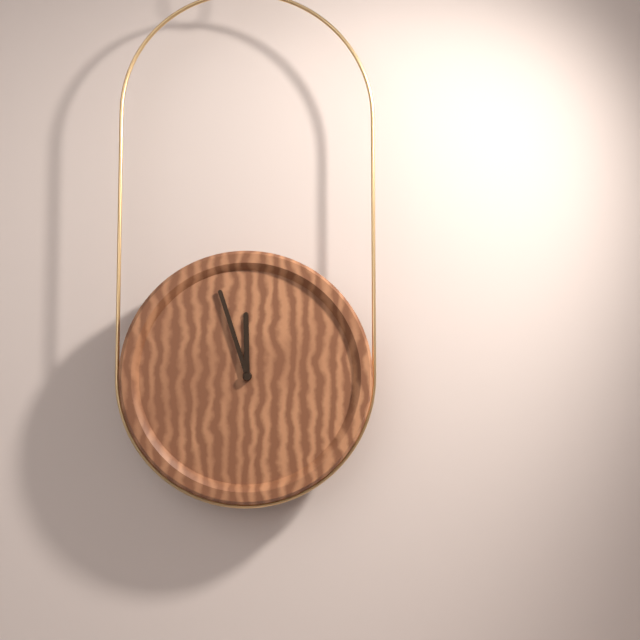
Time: {"hour": 11, "minute": 57}
